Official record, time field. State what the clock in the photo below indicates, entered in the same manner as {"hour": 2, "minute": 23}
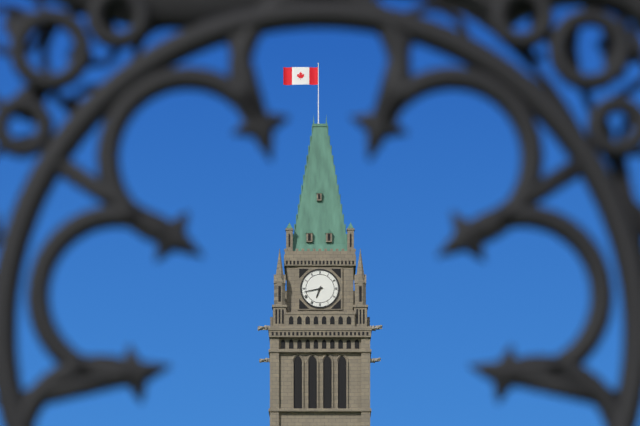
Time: {"hour": 6, "minute": 43}
